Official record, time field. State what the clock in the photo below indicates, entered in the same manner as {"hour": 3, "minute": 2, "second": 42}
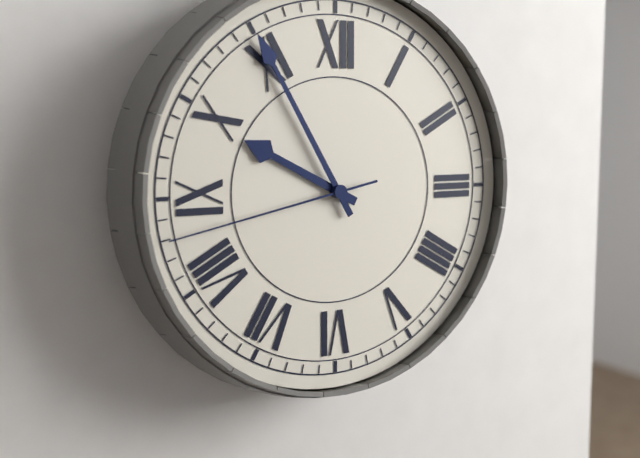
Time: {"hour": 9, "minute": 55, "second": 43}
